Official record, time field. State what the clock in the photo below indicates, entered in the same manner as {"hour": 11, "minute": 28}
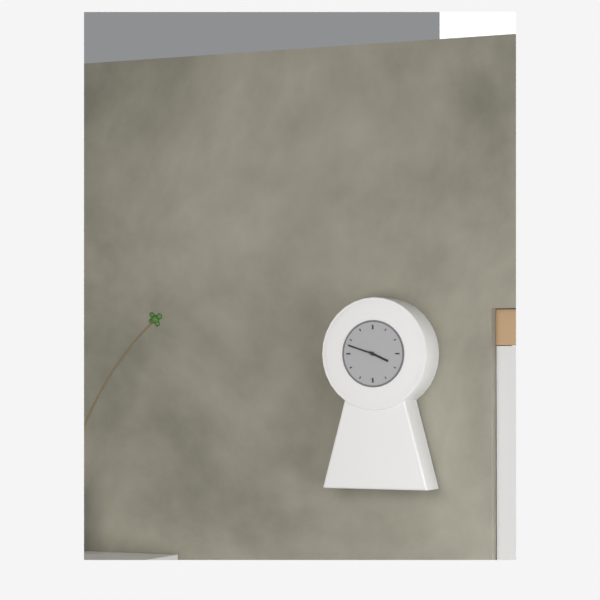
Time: {"hour": 3, "minute": 48}
